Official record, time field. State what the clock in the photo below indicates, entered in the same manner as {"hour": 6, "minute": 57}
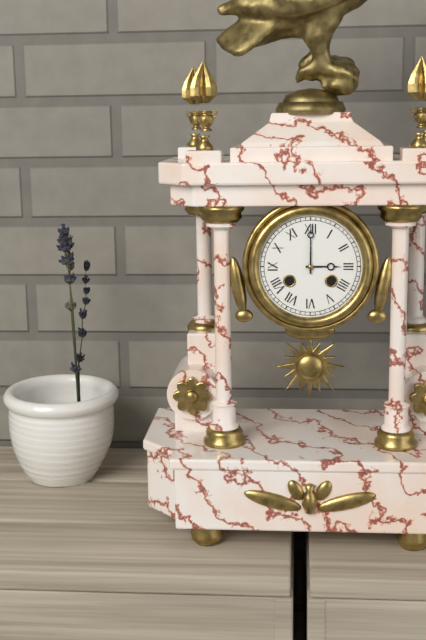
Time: {"hour": 3, "minute": 0}
